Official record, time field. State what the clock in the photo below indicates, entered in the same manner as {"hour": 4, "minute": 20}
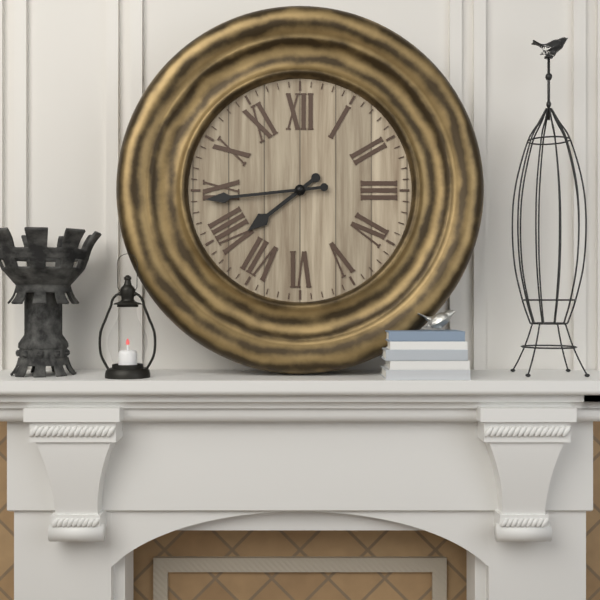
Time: {"hour": 7, "minute": 44}
